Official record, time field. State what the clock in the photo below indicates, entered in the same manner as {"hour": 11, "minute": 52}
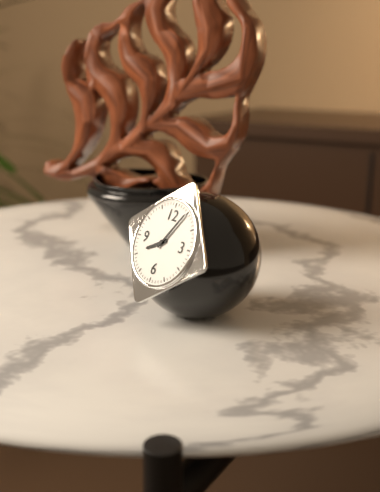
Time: {"hour": 8, "minute": 5}
